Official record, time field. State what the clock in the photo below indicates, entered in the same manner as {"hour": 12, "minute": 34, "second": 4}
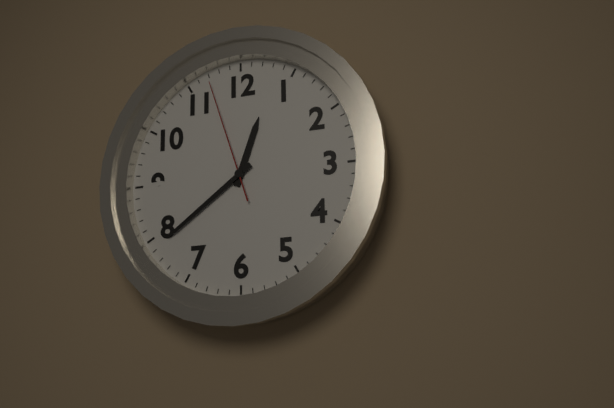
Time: {"hour": 12, "minute": 39, "second": 57}
